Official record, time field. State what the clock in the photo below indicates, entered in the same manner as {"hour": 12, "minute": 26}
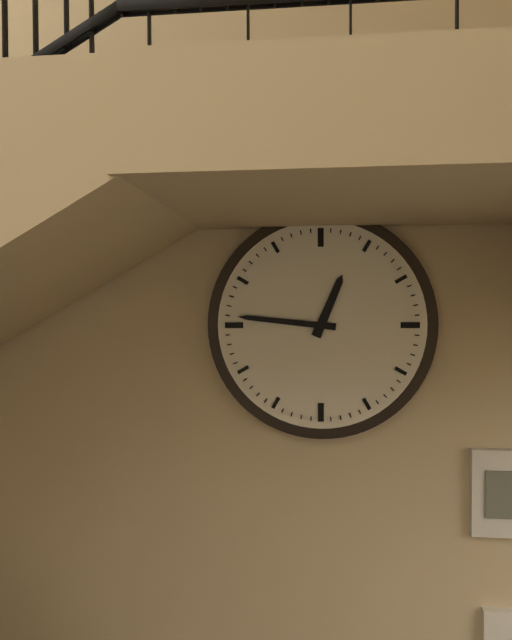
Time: {"hour": 12, "minute": 46}
